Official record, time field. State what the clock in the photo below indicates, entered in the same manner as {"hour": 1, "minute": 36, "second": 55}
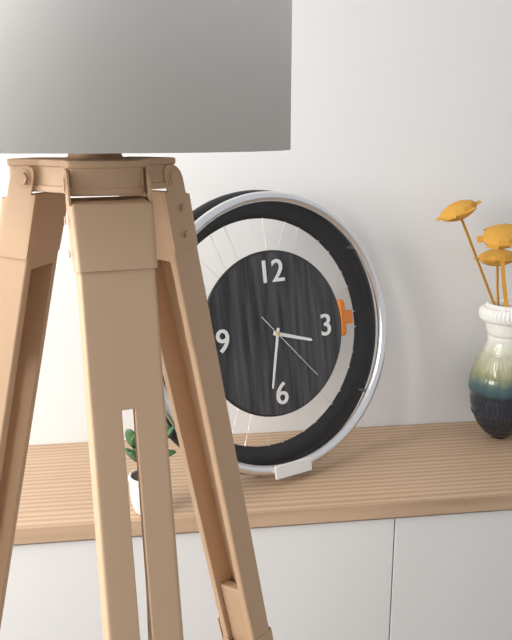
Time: {"hour": 3, "minute": 32, "second": 23}
